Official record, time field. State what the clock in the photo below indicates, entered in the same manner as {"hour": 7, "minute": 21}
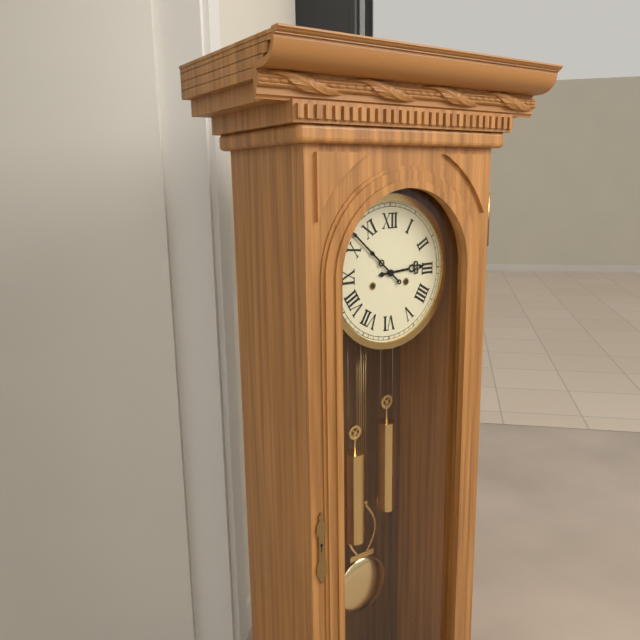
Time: {"hour": 2, "minute": 52}
